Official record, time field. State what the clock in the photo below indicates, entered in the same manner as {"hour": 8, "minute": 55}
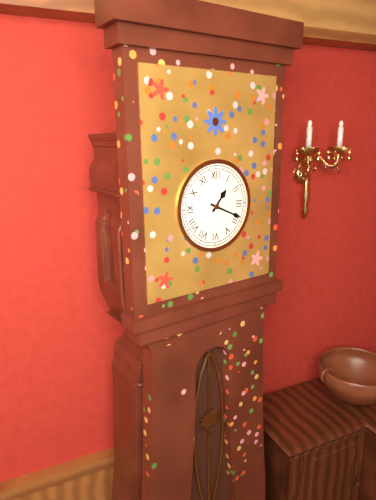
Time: {"hour": 1, "minute": 19}
